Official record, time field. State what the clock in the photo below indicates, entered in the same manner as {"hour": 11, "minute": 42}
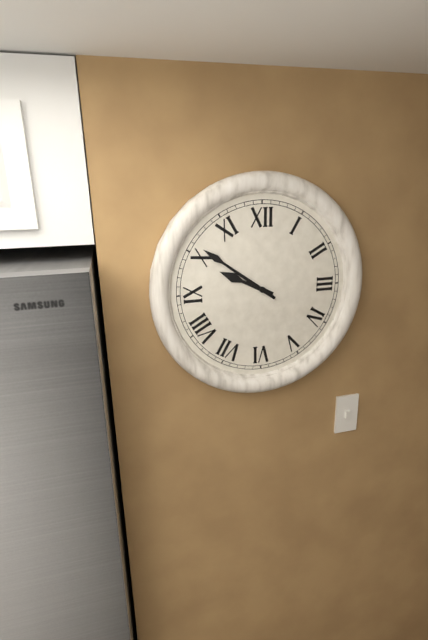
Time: {"hour": 9, "minute": 51}
